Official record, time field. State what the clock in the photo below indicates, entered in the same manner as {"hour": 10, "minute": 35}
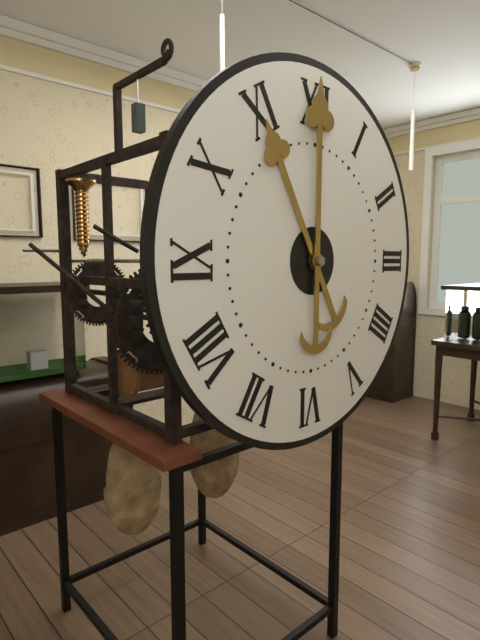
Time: {"hour": 11, "minute": 0}
